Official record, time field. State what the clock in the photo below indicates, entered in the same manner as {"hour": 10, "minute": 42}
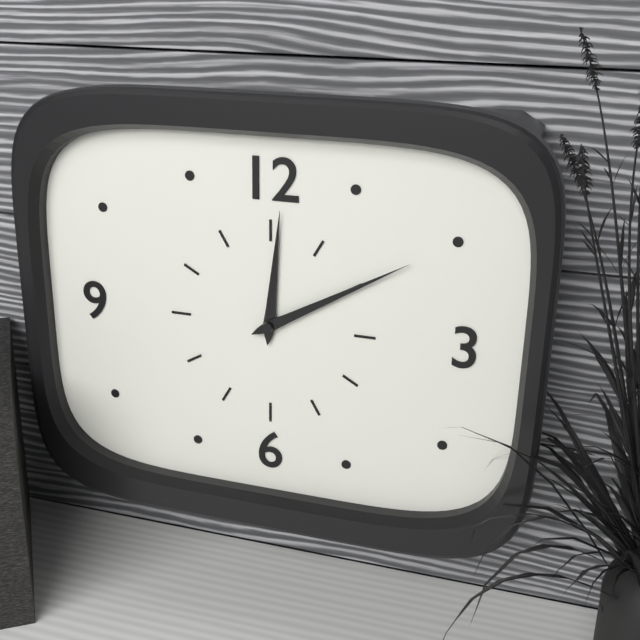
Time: {"hour": 12, "minute": 10}
